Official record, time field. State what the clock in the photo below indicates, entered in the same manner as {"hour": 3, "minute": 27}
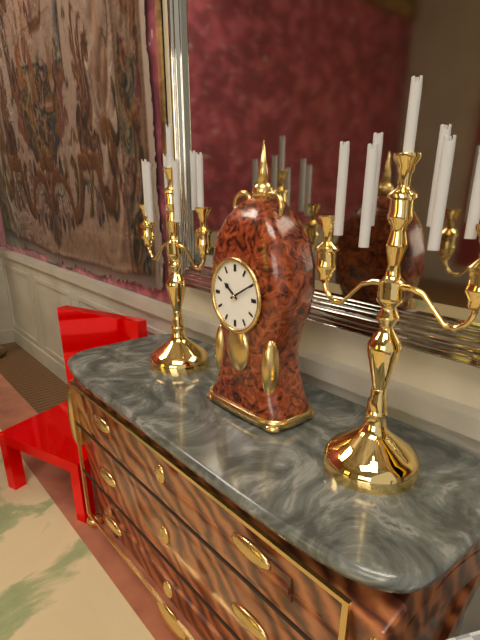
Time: {"hour": 10, "minute": 10}
